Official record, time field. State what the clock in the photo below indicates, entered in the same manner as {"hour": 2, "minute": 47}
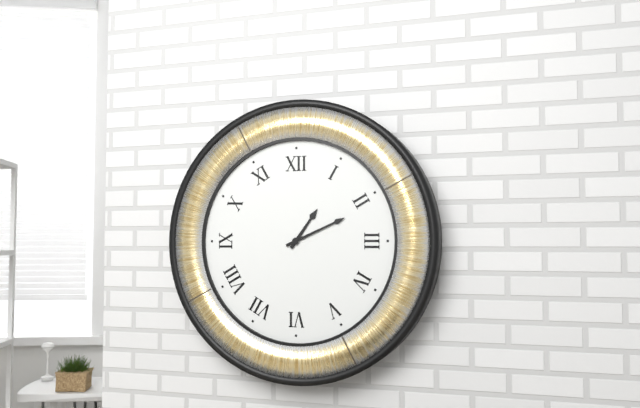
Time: {"hour": 1, "minute": 11}
